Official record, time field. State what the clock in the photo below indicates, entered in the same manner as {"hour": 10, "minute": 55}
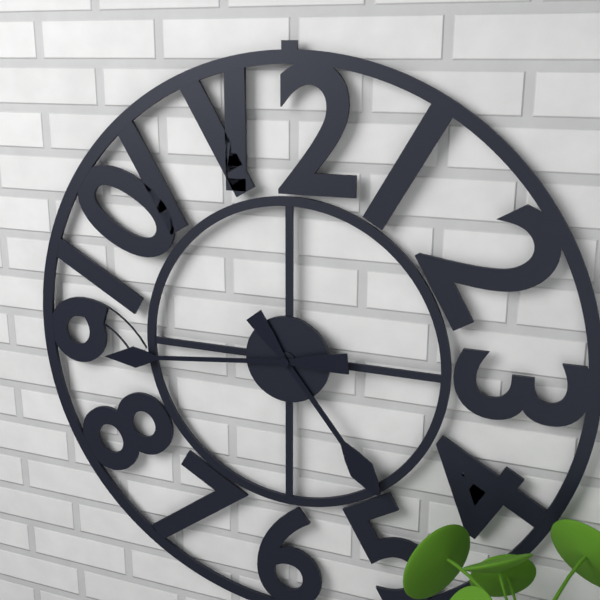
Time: {"hour": 4, "minute": 44}
